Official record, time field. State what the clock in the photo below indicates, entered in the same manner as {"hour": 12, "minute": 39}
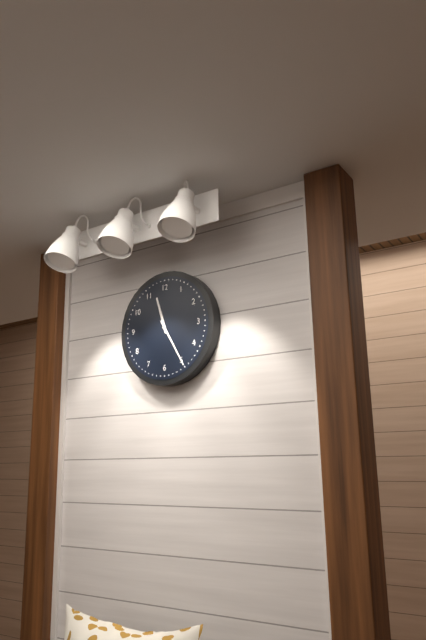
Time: {"hour": 11, "minute": 25}
